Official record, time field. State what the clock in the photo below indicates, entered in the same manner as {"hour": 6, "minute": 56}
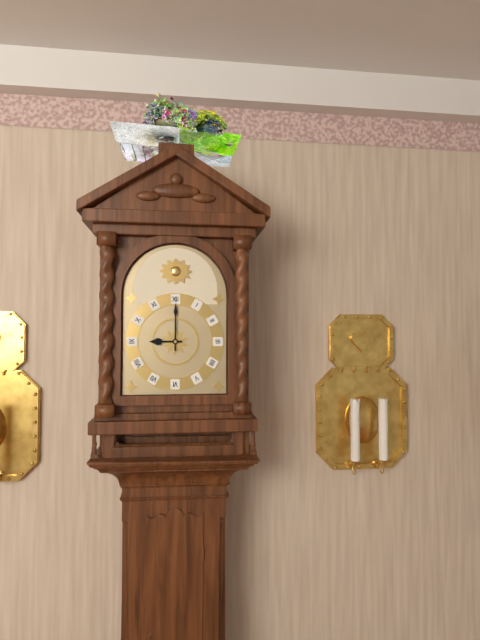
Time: {"hour": 9, "minute": 0}
